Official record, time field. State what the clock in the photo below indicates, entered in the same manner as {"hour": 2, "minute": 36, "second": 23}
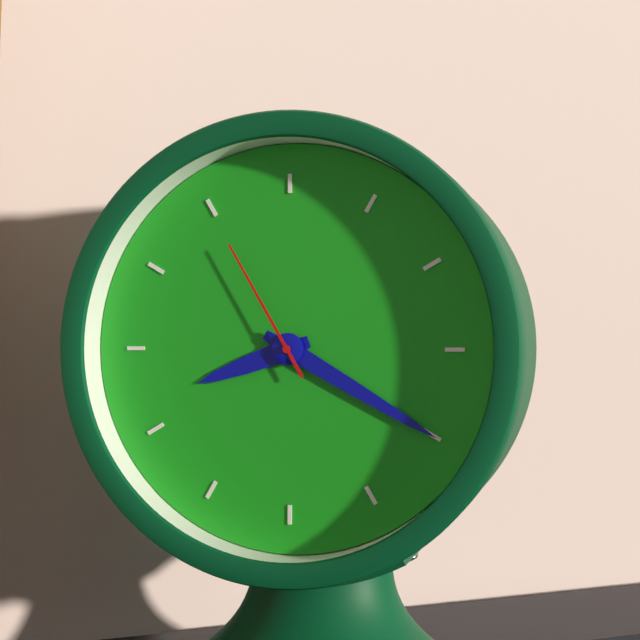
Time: {"hour": 8, "minute": 20, "second": 55}
